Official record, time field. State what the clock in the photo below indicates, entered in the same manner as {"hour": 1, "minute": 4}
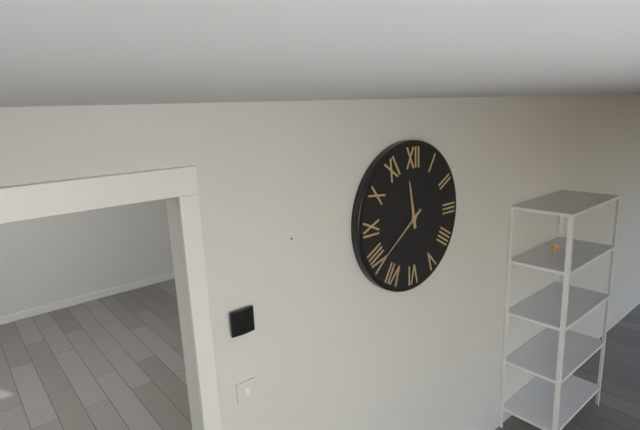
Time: {"hour": 11, "minute": 39}
